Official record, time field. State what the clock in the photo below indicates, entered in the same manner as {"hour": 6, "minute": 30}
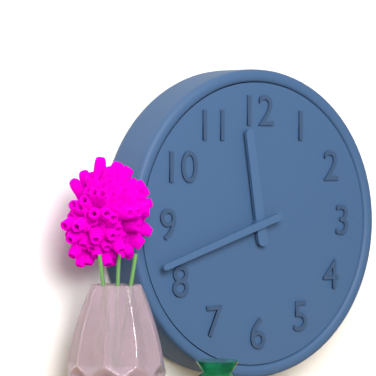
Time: {"hour": 11, "minute": 42}
